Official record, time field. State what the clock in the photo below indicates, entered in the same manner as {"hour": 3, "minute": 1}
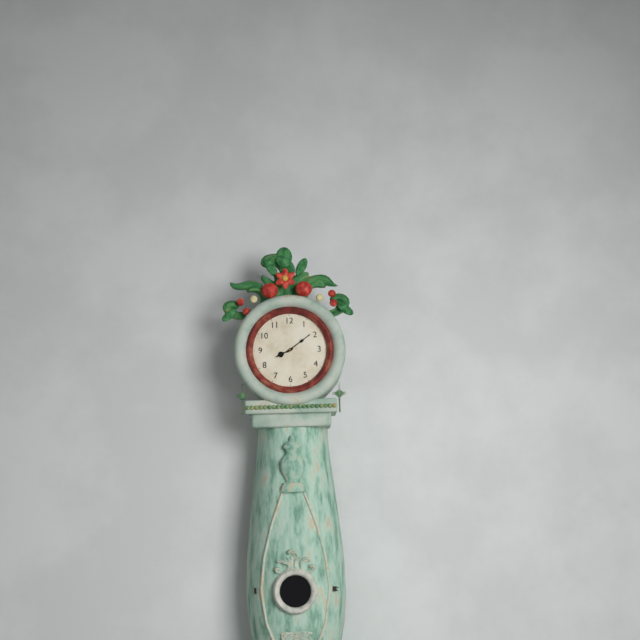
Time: {"hour": 8, "minute": 9}
